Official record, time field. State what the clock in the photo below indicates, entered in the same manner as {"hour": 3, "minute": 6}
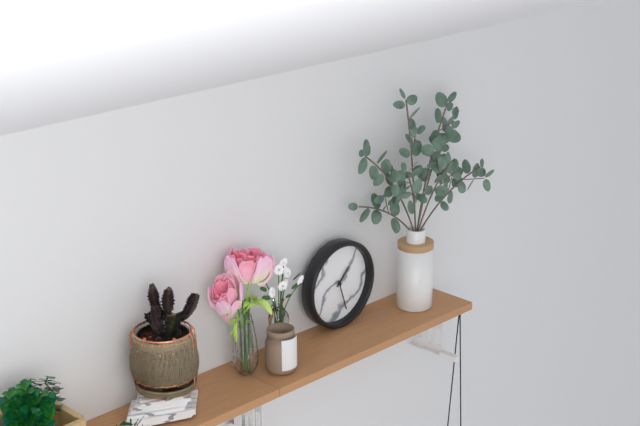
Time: {"hour": 1, "minute": 27}
